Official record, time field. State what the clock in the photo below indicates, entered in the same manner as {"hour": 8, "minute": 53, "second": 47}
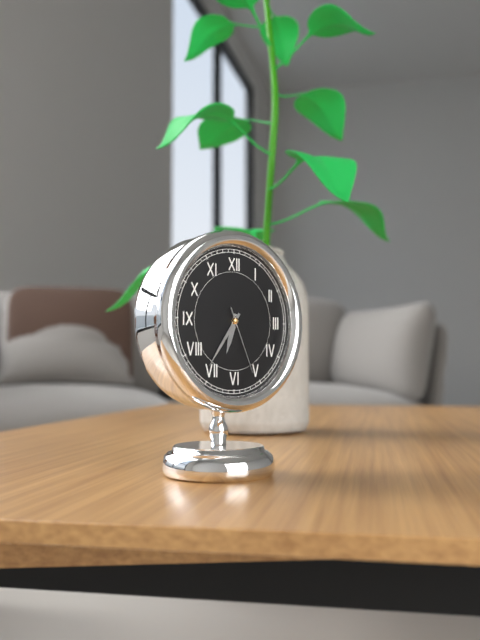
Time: {"hour": 6, "minute": 36, "second": 26}
